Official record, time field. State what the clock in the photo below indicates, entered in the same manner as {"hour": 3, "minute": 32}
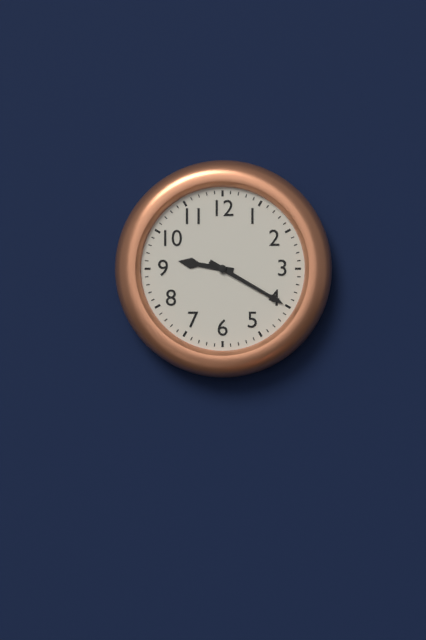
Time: {"hour": 9, "minute": 20}
